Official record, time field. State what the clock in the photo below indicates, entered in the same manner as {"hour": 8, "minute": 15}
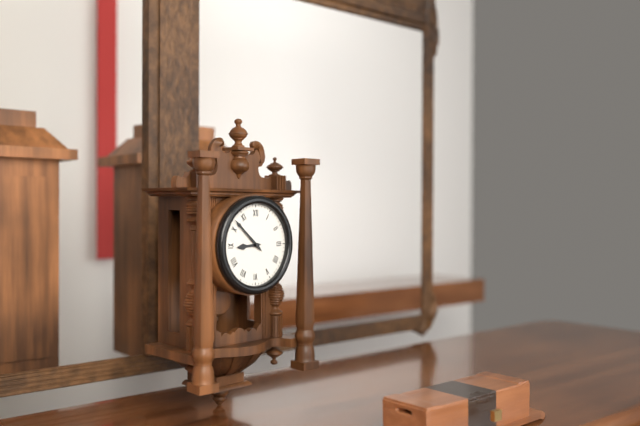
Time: {"hour": 8, "minute": 52}
